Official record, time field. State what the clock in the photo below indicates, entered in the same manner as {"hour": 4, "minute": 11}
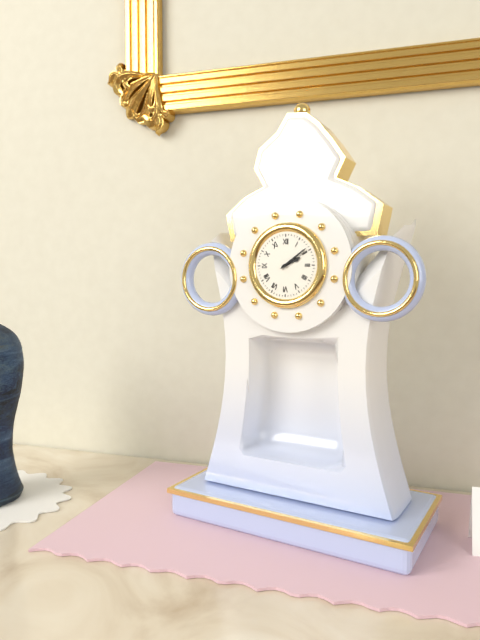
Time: {"hour": 2, "minute": 9}
